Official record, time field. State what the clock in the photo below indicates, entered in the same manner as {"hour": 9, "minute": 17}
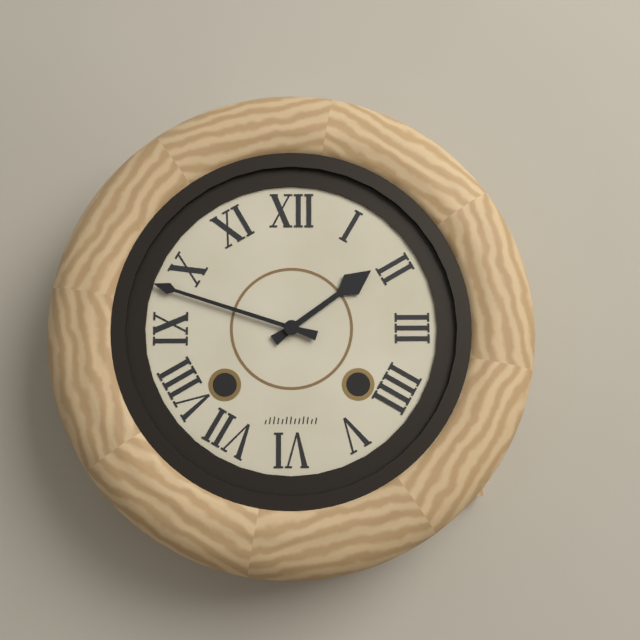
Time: {"hour": 1, "minute": 48}
